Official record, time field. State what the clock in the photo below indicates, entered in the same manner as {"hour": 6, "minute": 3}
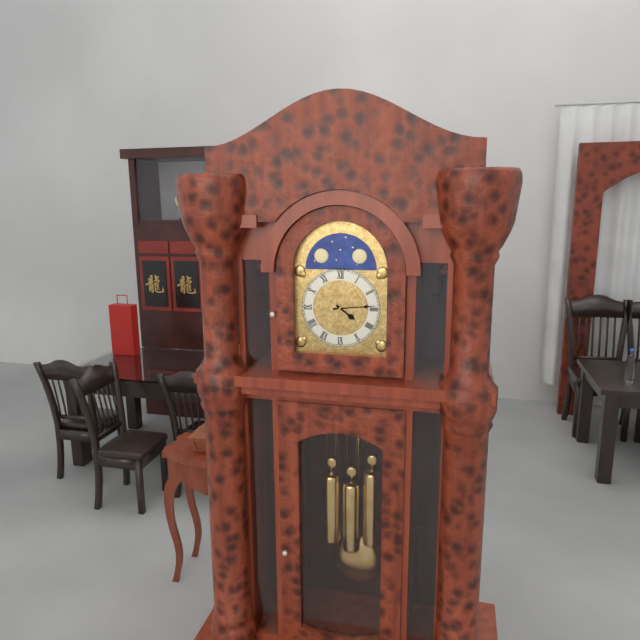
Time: {"hour": 4, "minute": 14}
